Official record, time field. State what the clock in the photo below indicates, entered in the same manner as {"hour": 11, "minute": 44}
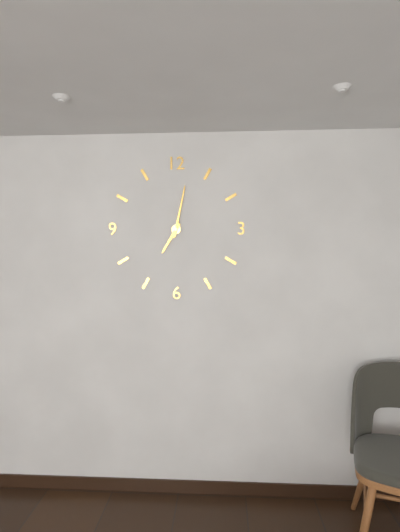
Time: {"hour": 7, "minute": 2}
